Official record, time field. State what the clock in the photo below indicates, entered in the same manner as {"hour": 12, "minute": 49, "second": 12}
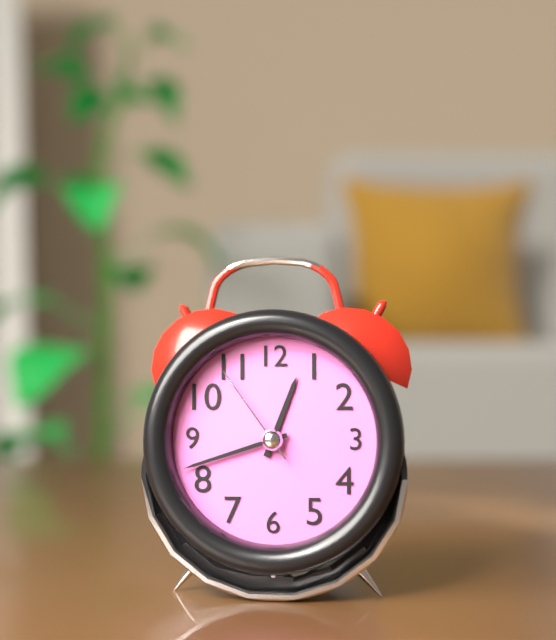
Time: {"hour": 12, "minute": 42, "second": 54}
